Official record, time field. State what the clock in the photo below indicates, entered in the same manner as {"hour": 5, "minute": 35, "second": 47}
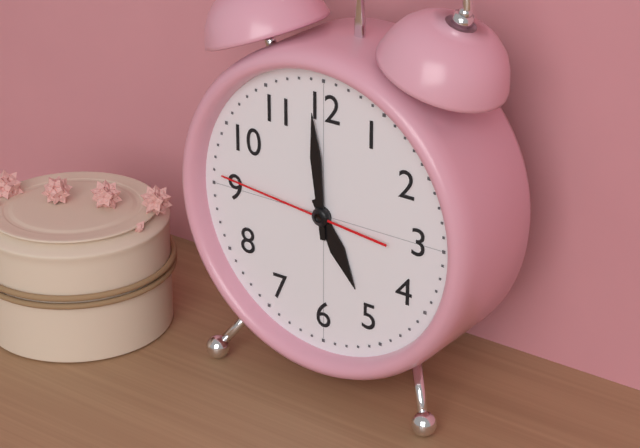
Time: {"hour": 4, "minute": 59, "second": 46}
